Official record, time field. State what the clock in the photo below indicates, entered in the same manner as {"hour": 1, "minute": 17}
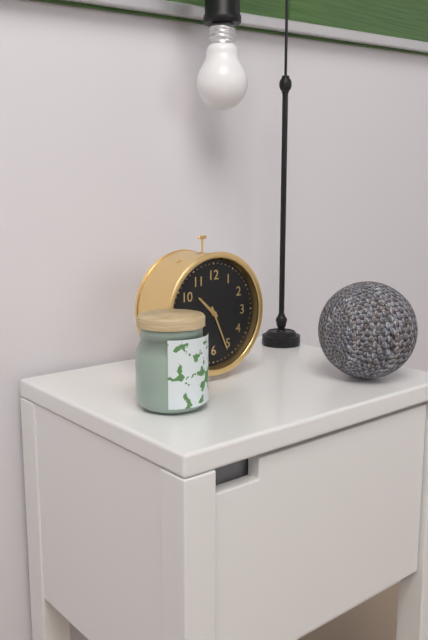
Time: {"hour": 10, "minute": 26}
